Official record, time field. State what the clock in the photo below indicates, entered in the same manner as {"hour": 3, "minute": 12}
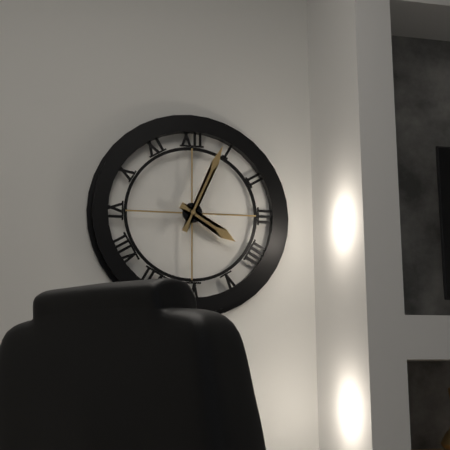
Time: {"hour": 4, "minute": 4}
